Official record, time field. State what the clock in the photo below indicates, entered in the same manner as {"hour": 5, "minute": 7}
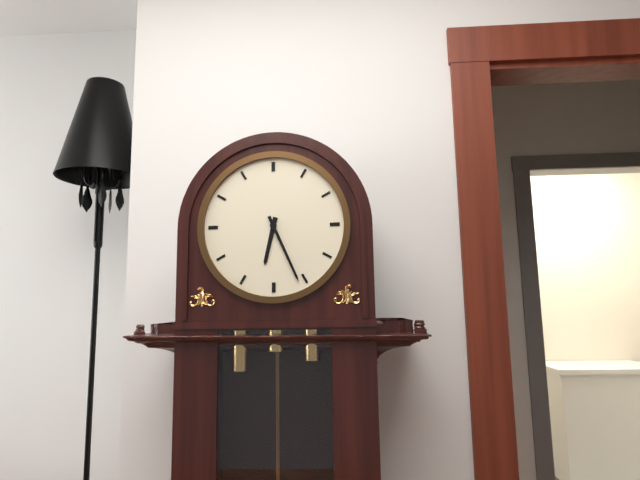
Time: {"hour": 6, "minute": 26}
